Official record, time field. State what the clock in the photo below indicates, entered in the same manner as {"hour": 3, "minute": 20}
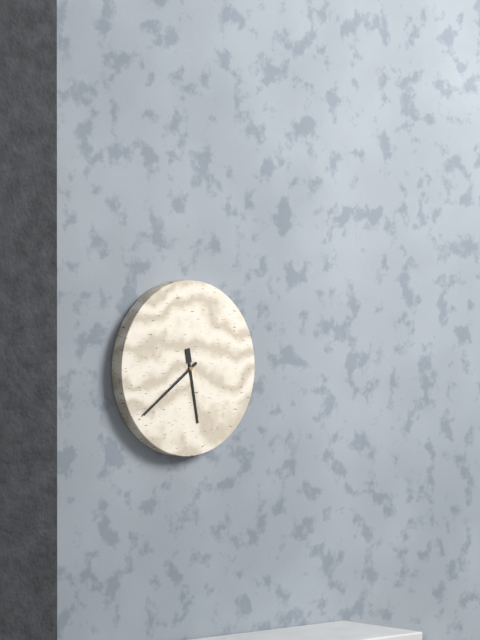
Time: {"hour": 5, "minute": 39}
